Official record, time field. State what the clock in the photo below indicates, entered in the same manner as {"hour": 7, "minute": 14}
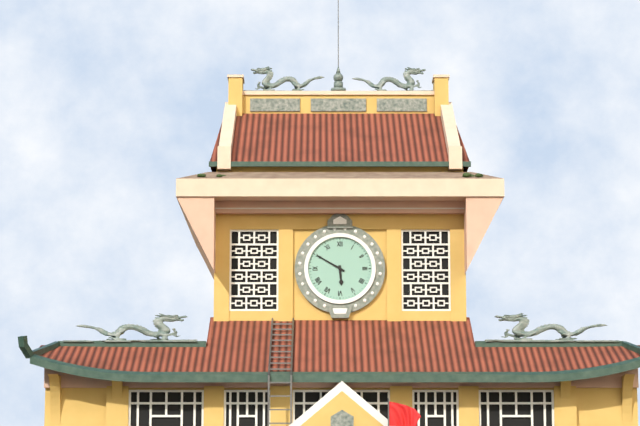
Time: {"hour": 5, "minute": 50}
